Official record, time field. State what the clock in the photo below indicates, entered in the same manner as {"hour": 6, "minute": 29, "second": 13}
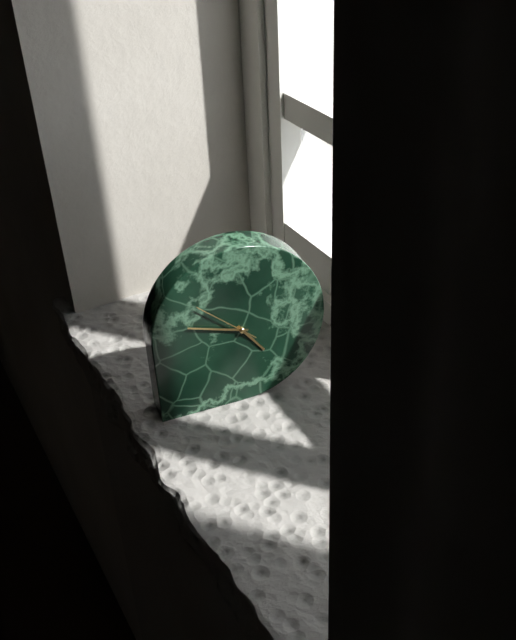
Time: {"hour": 4, "minute": 48, "second": 52}
